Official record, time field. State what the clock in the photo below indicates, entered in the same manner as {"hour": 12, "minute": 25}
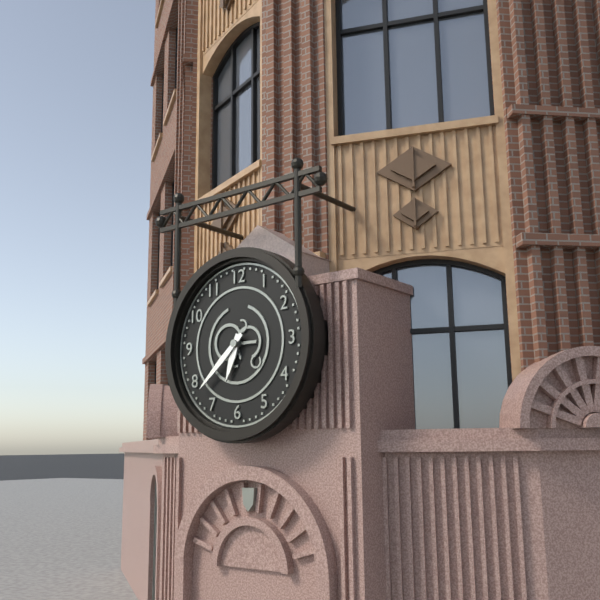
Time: {"hour": 6, "minute": 38}
